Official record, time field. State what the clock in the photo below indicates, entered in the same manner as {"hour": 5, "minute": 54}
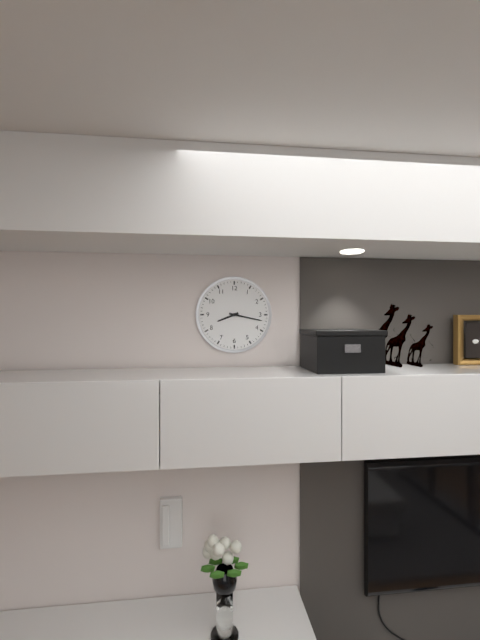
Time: {"hour": 8, "minute": 17}
